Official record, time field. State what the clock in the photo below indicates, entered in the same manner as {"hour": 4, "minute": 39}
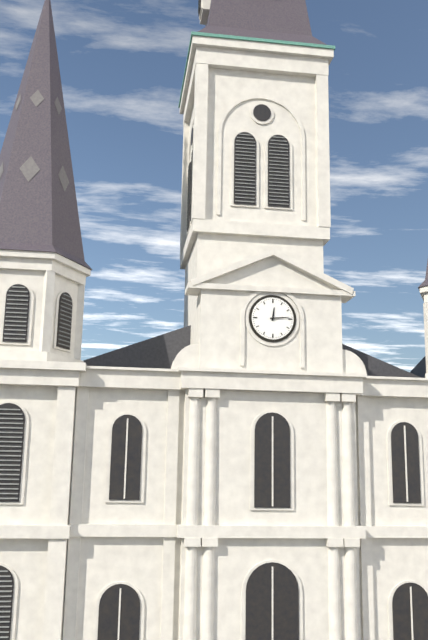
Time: {"hour": 12, "minute": 14}
